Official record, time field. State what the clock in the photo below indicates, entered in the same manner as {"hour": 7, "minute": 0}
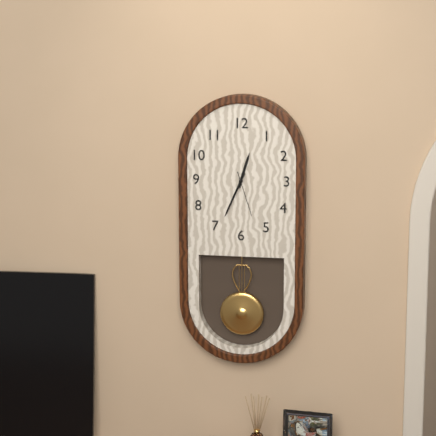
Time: {"hour": 12, "minute": 34}
